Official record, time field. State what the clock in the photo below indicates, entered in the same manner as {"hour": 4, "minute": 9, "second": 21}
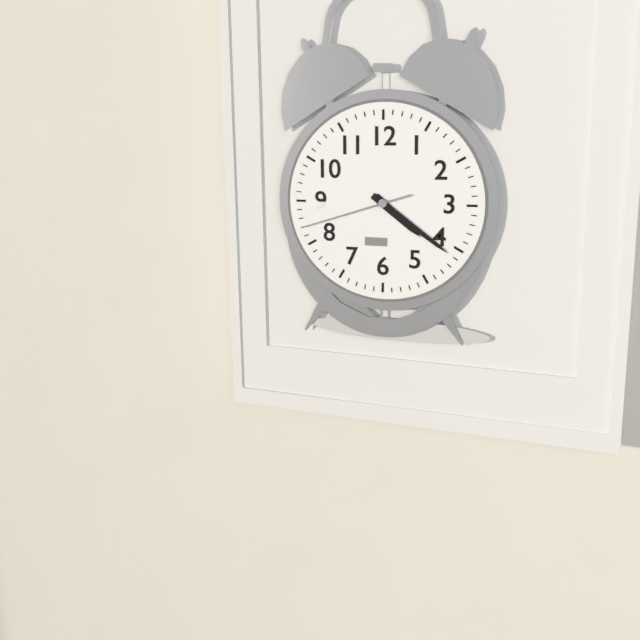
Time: {"hour": 4, "minute": 21, "second": 42}
